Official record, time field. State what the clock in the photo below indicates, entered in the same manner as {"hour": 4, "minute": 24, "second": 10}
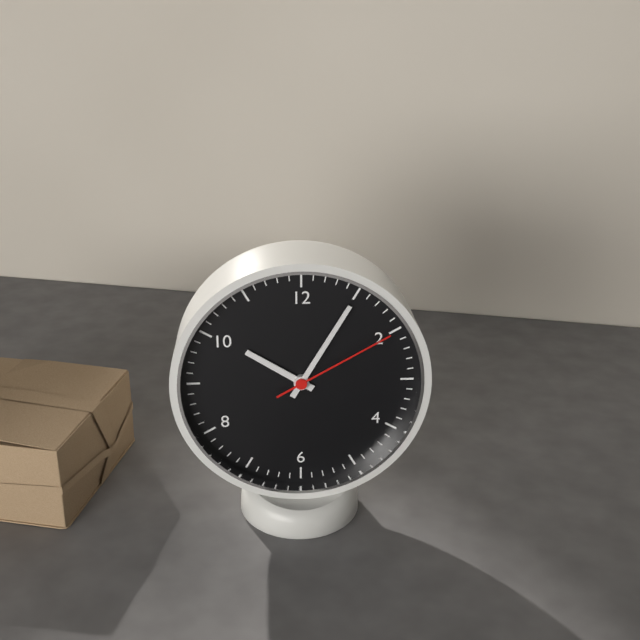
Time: {"hour": 10, "minute": 5, "second": 10}
